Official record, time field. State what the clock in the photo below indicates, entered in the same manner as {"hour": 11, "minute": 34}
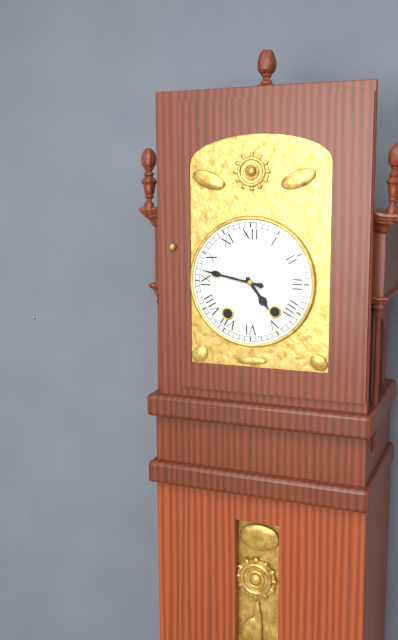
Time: {"hour": 4, "minute": 47}
